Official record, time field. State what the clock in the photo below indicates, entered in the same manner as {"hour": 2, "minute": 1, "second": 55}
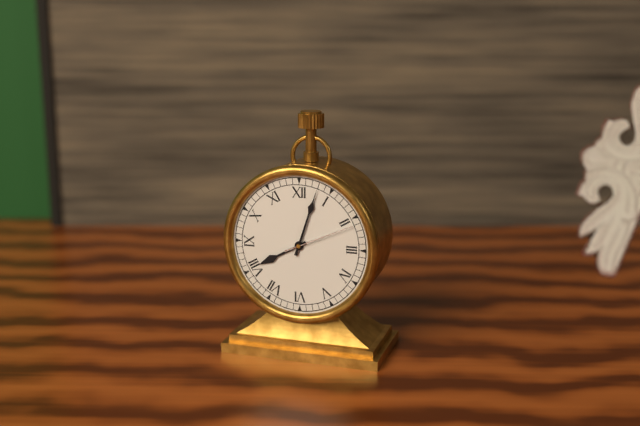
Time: {"hour": 8, "minute": 3, "second": 11}
